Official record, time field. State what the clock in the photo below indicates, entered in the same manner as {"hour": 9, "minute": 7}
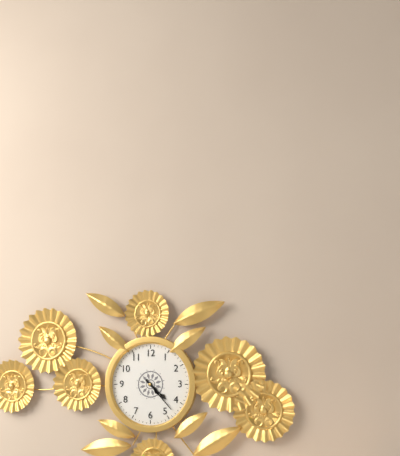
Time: {"hour": 4, "minute": 23}
